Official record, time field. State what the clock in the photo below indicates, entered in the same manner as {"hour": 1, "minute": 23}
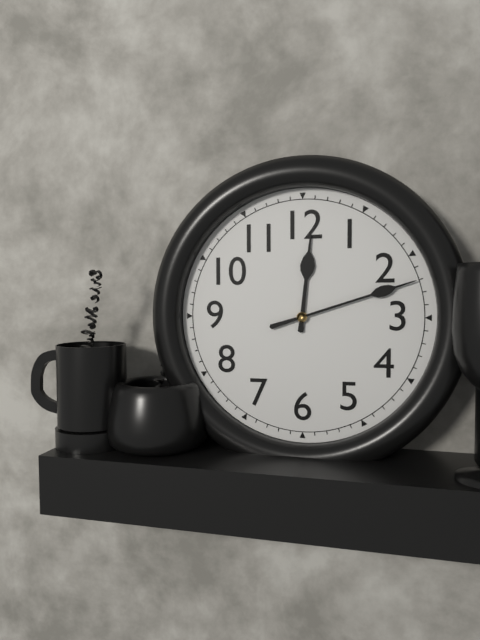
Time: {"hour": 12, "minute": 12}
